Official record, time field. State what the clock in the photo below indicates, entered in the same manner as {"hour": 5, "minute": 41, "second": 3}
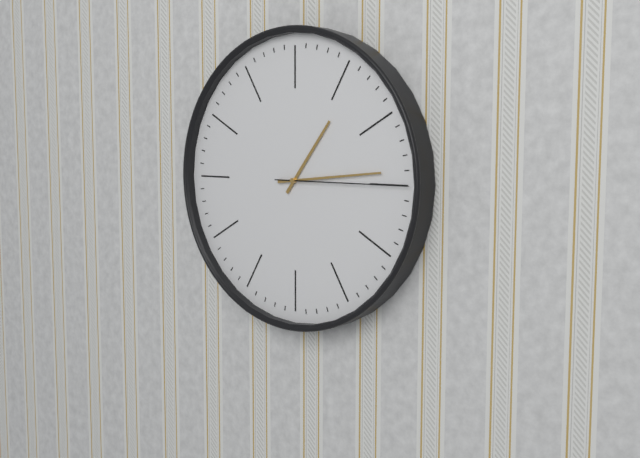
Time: {"hour": 1, "minute": 14, "second": 15}
